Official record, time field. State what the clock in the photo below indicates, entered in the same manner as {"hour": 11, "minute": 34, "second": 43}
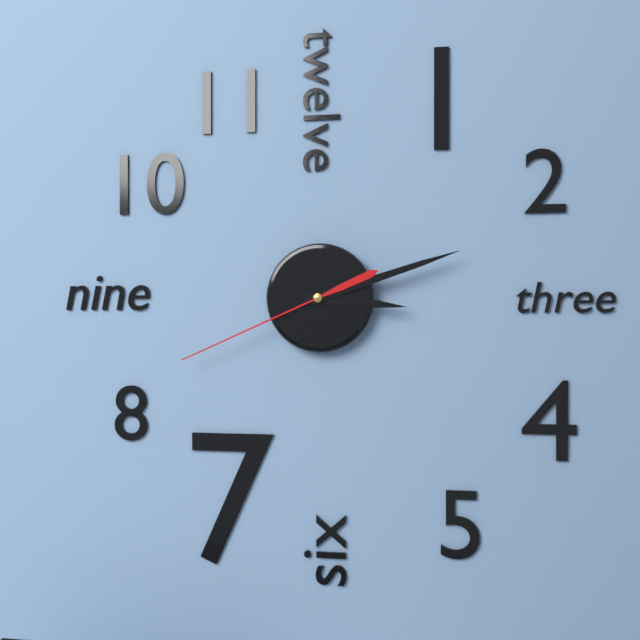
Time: {"hour": 3, "minute": 12, "second": 41}
